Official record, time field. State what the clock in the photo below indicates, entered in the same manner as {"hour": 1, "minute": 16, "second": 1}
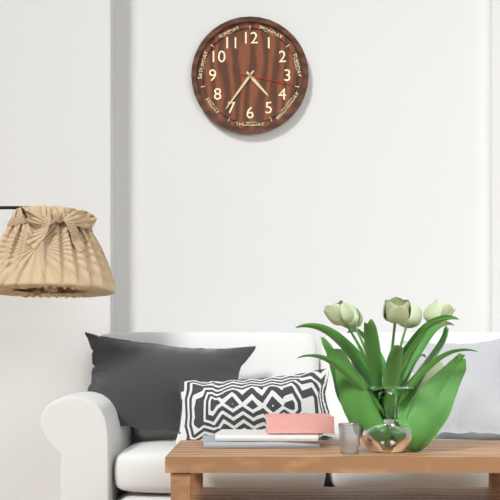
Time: {"hour": 4, "minute": 36, "second": 17}
